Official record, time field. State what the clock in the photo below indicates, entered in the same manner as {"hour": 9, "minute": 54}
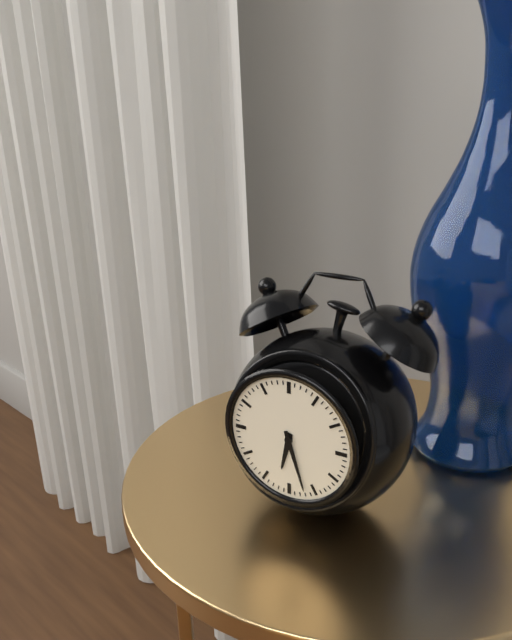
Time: {"hour": 6, "minute": 27}
